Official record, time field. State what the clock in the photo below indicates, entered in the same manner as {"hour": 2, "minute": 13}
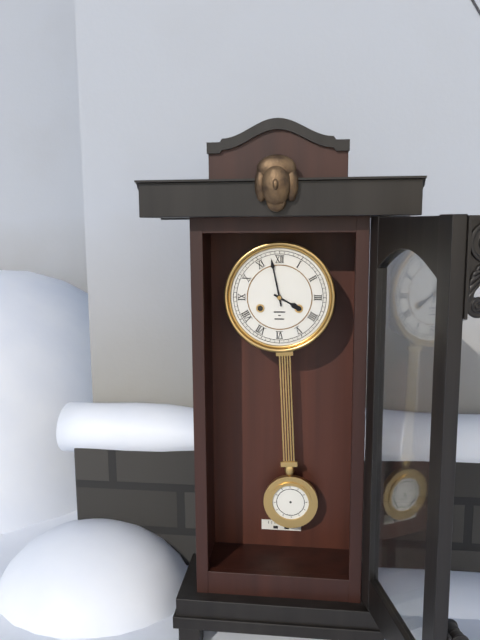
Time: {"hour": 3, "minute": 58}
